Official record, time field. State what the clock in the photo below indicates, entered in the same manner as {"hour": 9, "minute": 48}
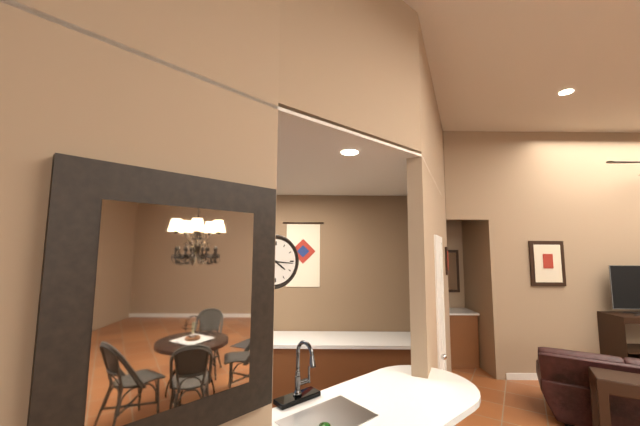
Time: {"hour": 4, "minute": 16}
